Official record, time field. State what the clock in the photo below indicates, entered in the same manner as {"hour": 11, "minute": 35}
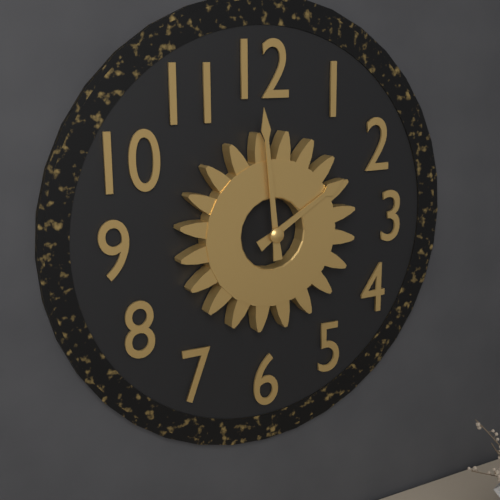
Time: {"hour": 1, "minute": 59}
